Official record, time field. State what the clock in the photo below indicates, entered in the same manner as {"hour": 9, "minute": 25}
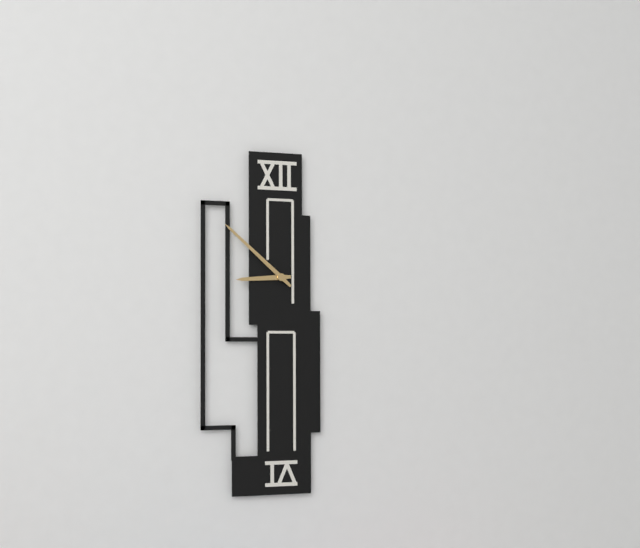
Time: {"hour": 8, "minute": 52}
